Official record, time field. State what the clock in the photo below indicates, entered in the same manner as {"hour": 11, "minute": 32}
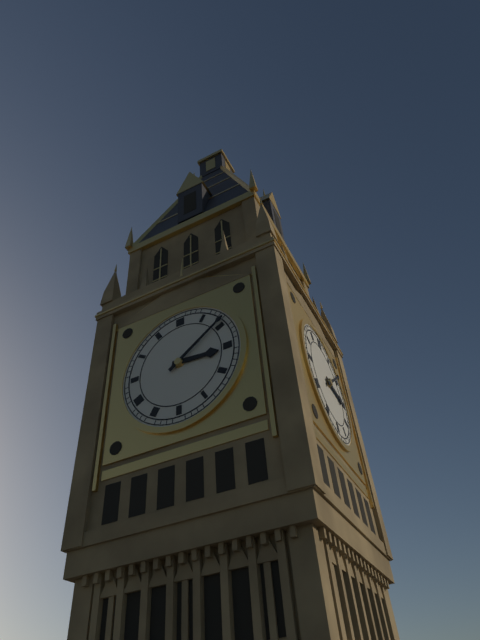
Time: {"hour": 3, "minute": 9}
